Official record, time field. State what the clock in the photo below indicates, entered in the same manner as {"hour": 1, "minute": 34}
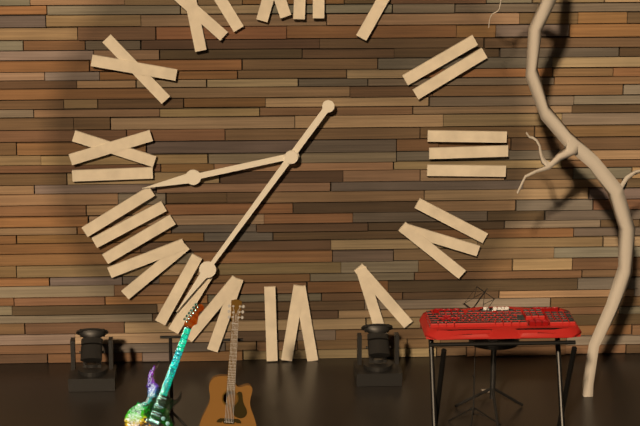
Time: {"hour": 8, "minute": 36}
